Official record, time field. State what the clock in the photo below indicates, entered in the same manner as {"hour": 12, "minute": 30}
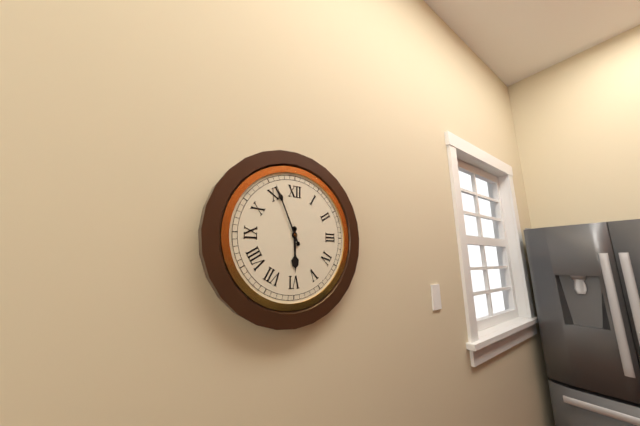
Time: {"hour": 5, "minute": 56}
